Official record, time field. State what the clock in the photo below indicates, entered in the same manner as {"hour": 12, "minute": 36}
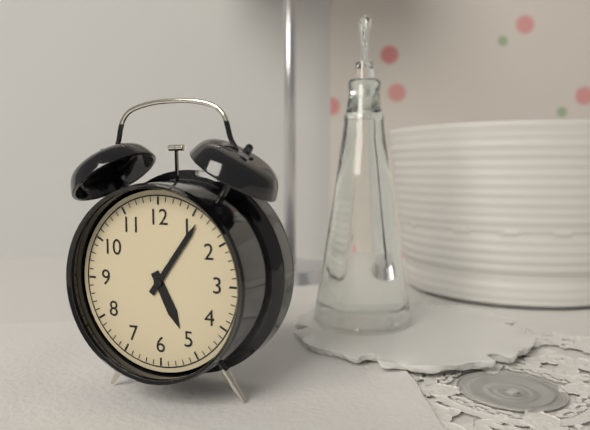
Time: {"hour": 5, "minute": 6}
